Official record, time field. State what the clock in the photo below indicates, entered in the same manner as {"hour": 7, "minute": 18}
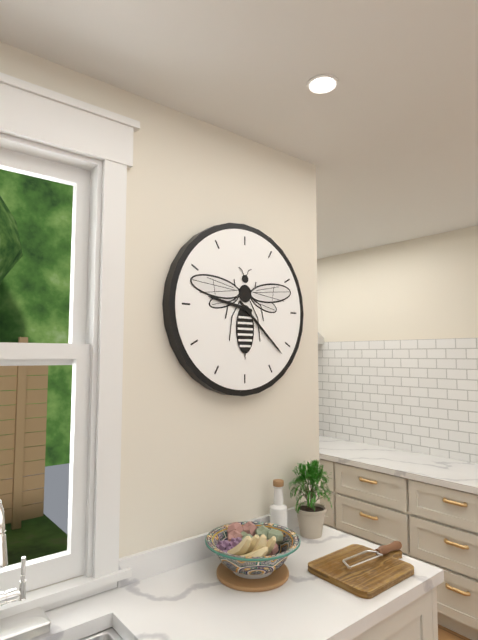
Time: {"hour": 9, "minute": 22}
